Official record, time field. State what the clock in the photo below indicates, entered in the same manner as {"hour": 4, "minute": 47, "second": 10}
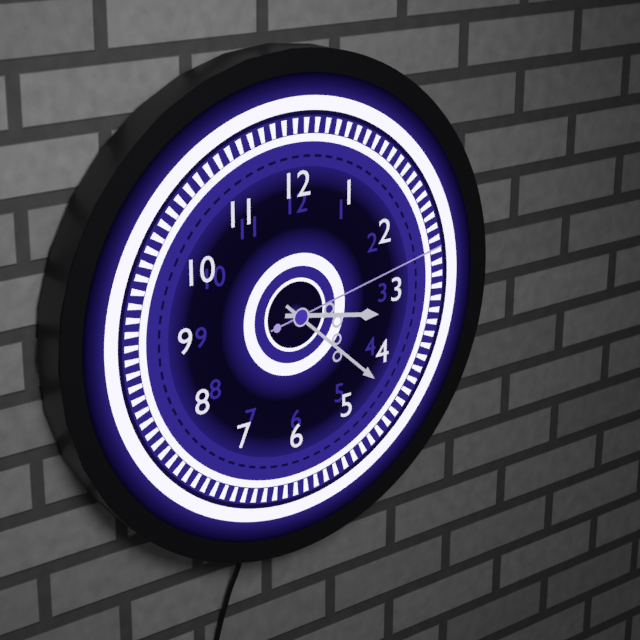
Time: {"hour": 3, "minute": 22, "second": 13}
